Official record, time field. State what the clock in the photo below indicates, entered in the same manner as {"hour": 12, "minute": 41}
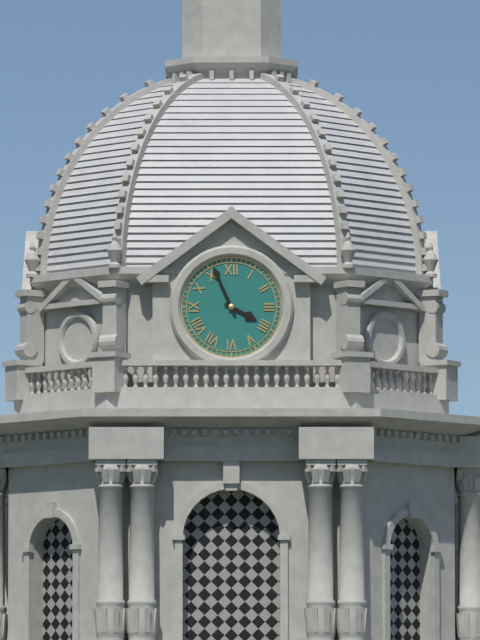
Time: {"hour": 3, "minute": 56}
